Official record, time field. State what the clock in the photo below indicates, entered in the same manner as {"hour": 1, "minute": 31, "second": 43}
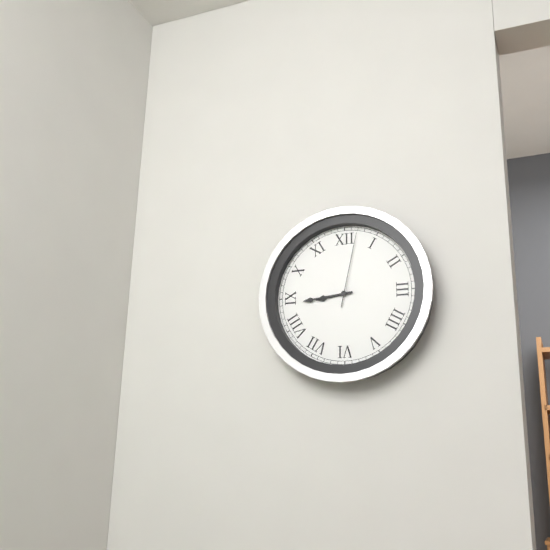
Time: {"hour": 8, "minute": 44, "second": 2}
